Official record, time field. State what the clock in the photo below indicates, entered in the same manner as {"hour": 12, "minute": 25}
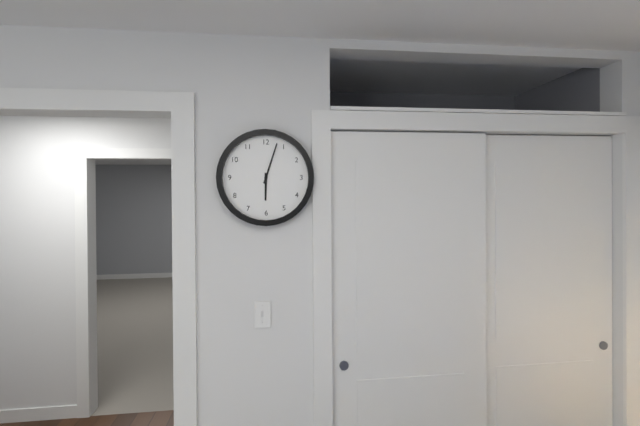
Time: {"hour": 6, "minute": 3}
